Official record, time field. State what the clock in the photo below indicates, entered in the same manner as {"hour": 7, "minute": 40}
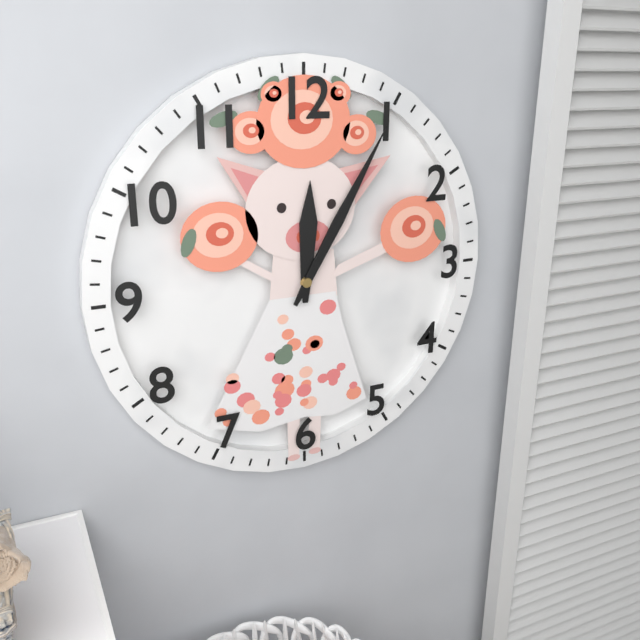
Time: {"hour": 12, "minute": 5}
